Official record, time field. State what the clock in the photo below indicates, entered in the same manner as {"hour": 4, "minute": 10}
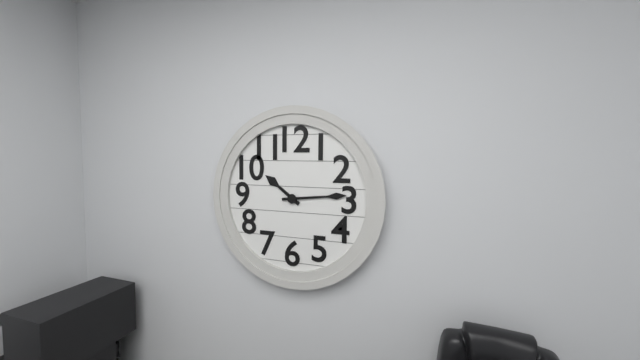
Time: {"hour": 10, "minute": 14}
